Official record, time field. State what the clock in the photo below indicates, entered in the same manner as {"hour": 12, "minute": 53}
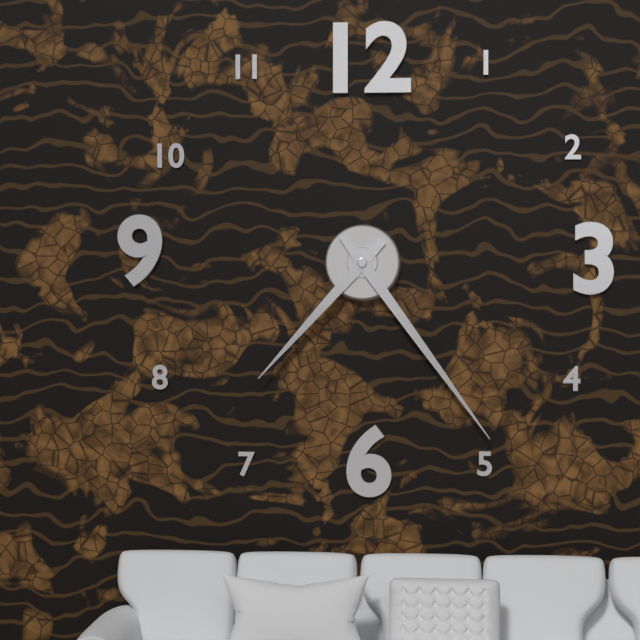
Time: {"hour": 7, "minute": 24}
